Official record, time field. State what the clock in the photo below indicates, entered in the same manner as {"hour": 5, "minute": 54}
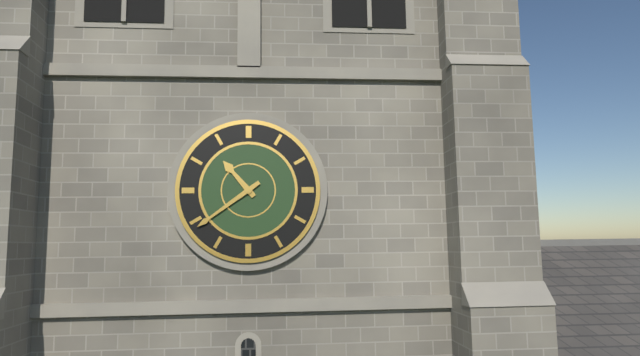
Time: {"hour": 10, "minute": 39}
